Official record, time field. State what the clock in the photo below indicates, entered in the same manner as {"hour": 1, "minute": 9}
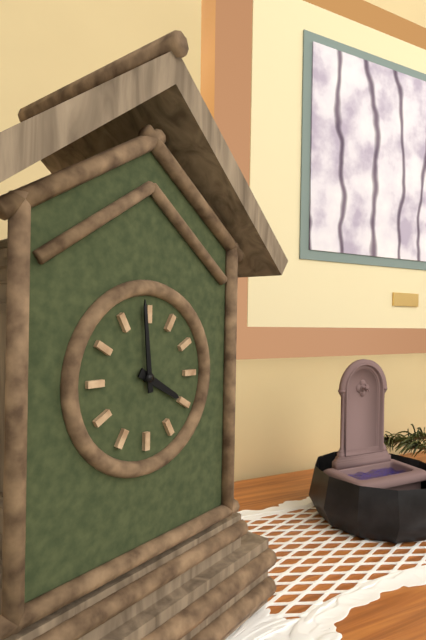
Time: {"hour": 3, "minute": 59}
